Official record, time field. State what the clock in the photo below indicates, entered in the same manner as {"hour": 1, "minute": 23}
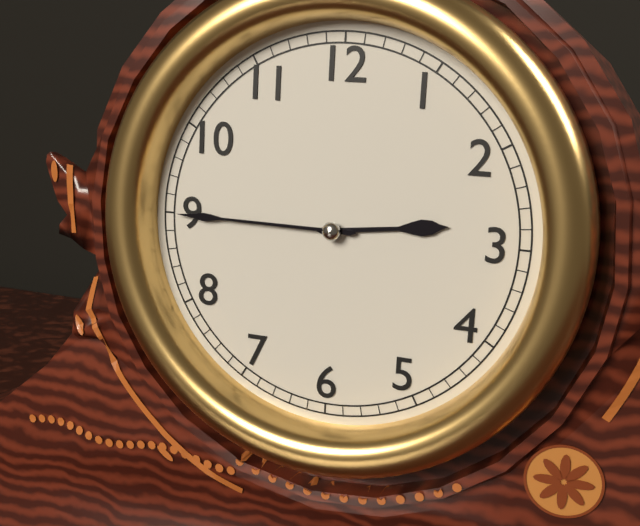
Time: {"hour": 2, "minute": 45}
